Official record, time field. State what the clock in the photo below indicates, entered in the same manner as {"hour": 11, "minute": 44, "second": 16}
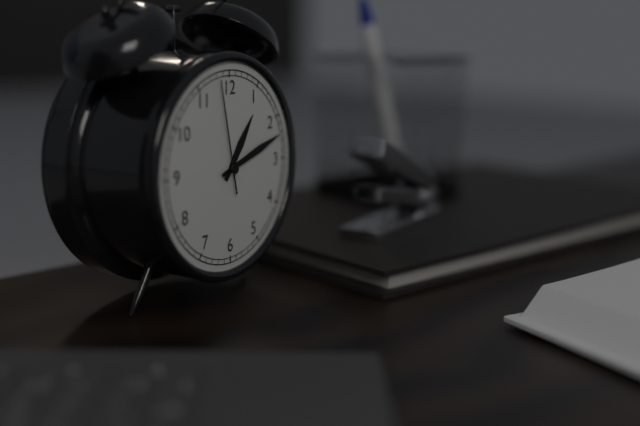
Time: {"hour": 1, "minute": 12, "second": 58}
